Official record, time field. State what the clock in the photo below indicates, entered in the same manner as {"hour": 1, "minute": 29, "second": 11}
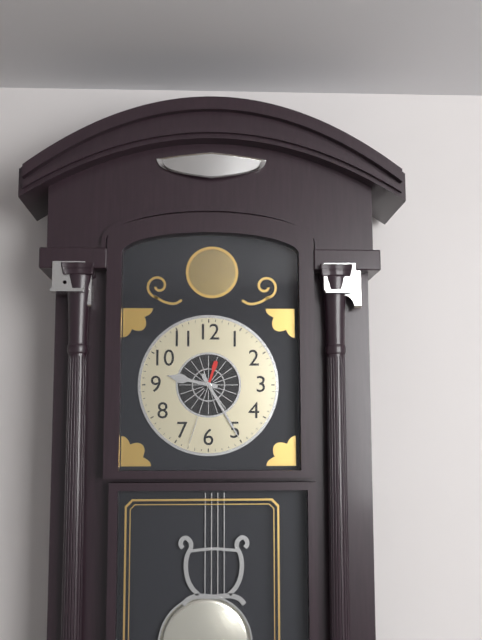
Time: {"hour": 9, "minute": 25, "second": 33}
